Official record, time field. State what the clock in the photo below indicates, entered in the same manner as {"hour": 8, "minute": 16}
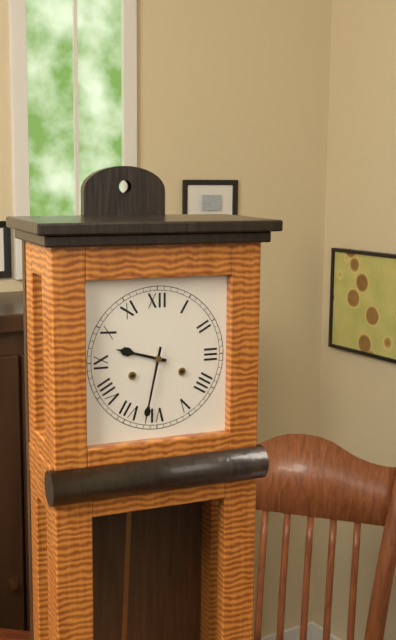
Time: {"hour": 9, "minute": 32}
